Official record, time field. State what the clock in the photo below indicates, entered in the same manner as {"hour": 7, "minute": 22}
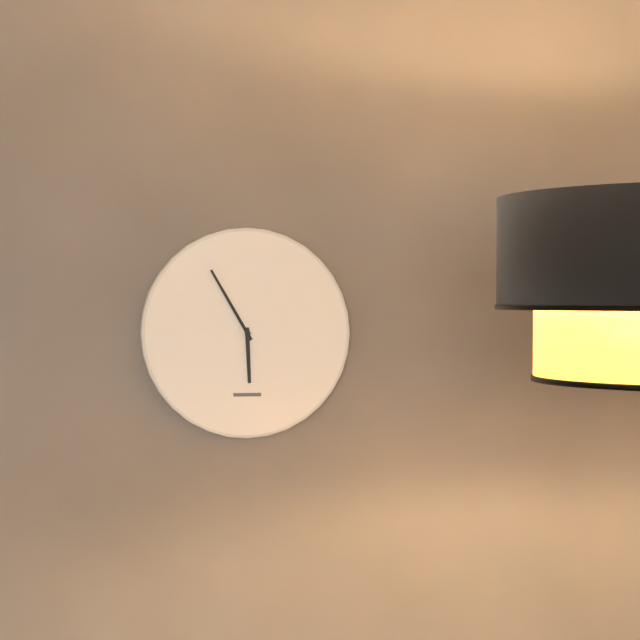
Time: {"hour": 5, "minute": 55}
